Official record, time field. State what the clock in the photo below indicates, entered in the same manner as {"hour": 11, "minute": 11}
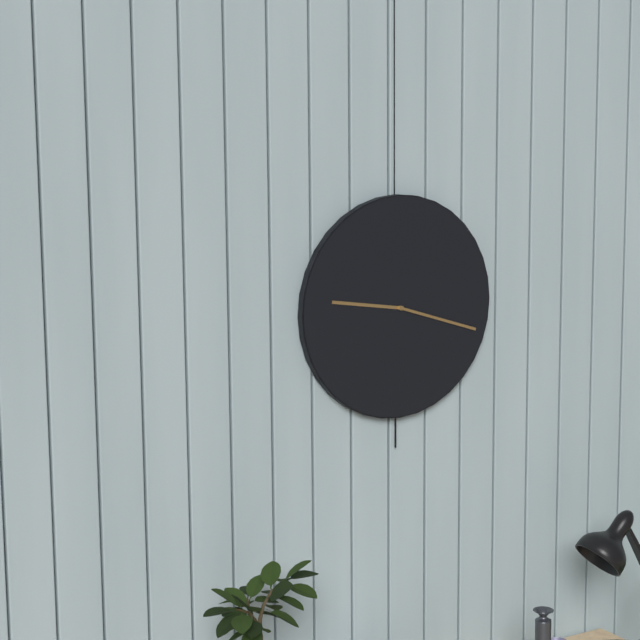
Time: {"hour": 9, "minute": 18}
